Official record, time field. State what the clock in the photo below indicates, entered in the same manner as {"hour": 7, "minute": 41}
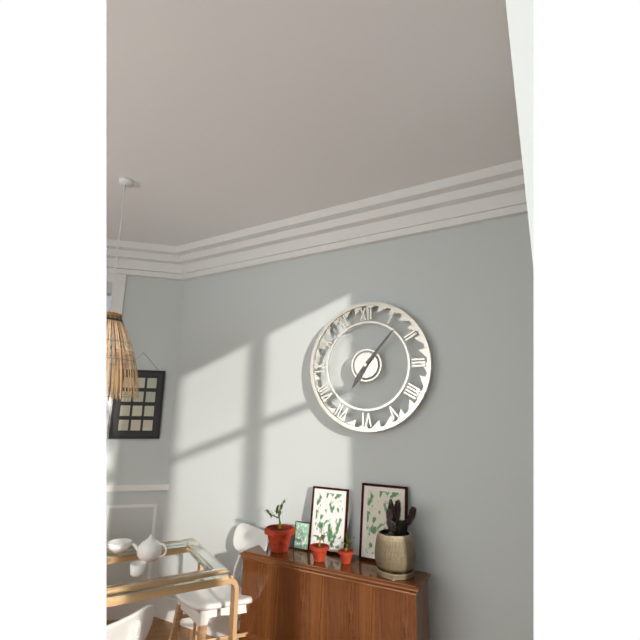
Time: {"hour": 7, "minute": 7}
